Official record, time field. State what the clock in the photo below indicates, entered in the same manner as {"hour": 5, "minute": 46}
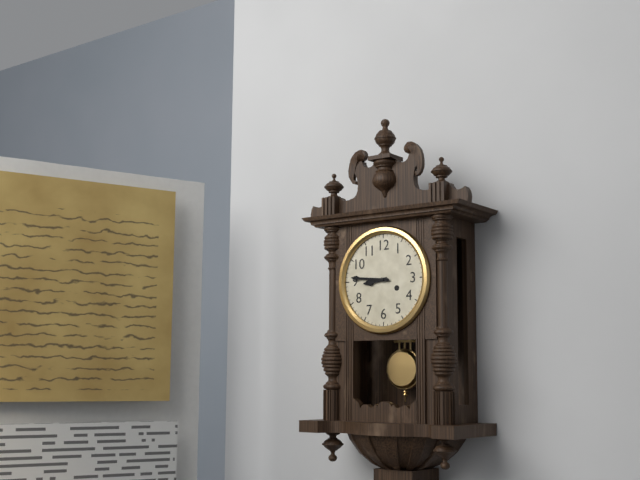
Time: {"hour": 8, "minute": 46}
